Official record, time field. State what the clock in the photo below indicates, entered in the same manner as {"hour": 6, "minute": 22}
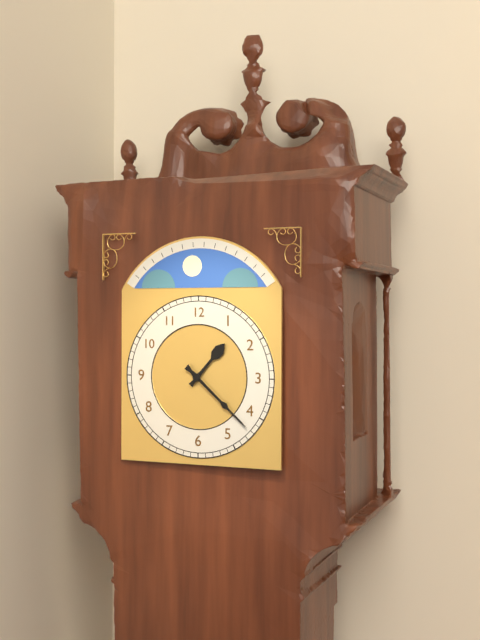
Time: {"hour": 1, "minute": 22}
